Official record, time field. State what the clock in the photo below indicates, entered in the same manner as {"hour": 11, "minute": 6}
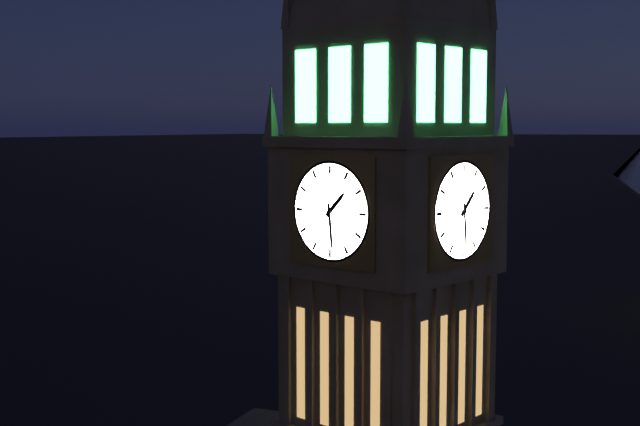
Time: {"hour": 1, "minute": 29}
